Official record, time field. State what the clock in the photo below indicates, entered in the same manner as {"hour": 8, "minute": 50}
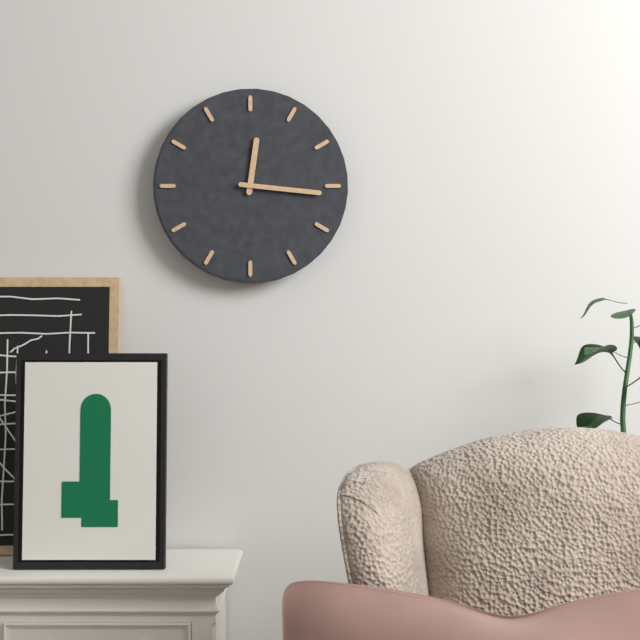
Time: {"hour": 12, "minute": 16}
